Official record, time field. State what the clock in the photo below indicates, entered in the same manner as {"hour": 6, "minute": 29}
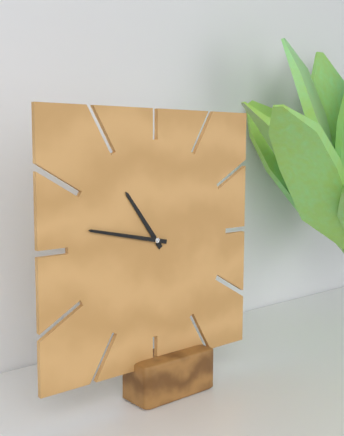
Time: {"hour": 10, "minute": 47}
